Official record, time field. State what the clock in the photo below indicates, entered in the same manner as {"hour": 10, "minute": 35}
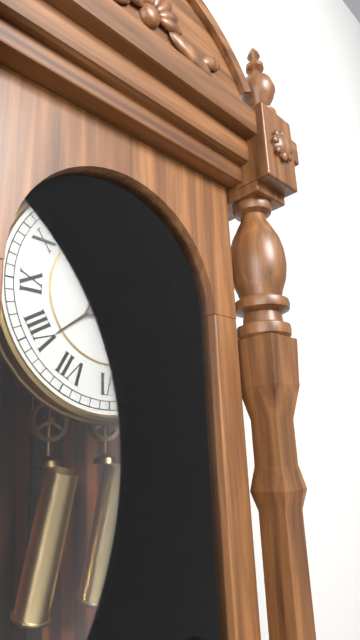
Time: {"hour": 4, "minute": 39}
